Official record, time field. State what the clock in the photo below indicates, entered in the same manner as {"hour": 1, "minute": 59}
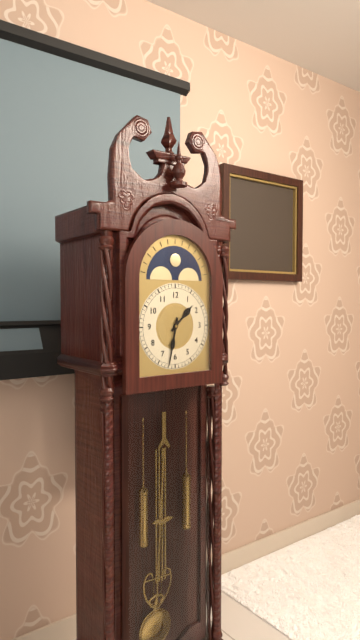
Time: {"hour": 1, "minute": 32}
